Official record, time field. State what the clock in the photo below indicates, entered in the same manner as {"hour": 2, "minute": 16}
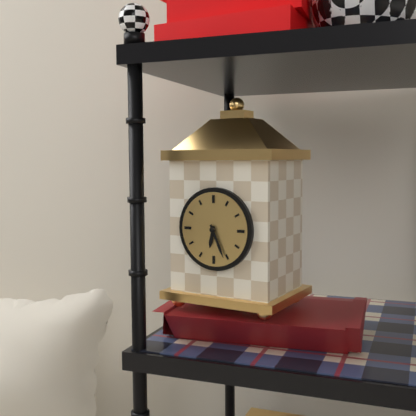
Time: {"hour": 6, "minute": 26}
